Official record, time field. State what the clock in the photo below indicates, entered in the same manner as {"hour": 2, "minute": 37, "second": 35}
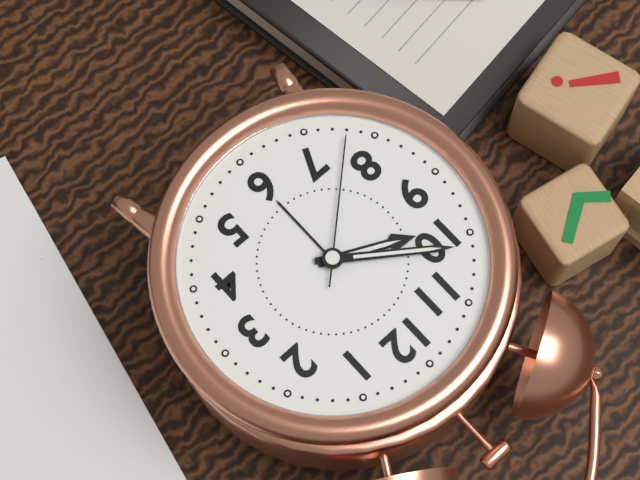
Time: {"hour": 9, "minute": 51, "second": 38}
